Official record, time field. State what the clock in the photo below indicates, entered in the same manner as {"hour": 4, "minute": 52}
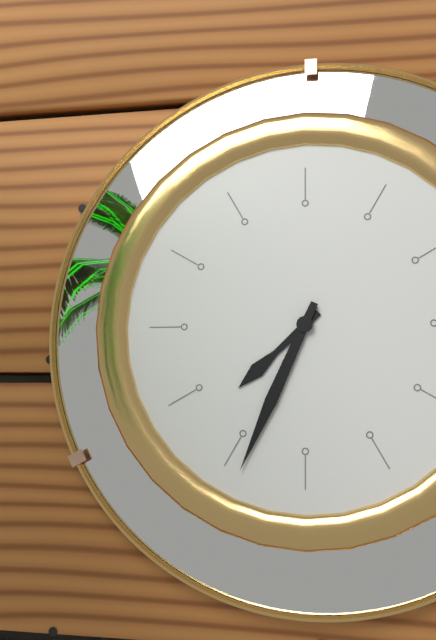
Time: {"hour": 7, "minute": 34}
